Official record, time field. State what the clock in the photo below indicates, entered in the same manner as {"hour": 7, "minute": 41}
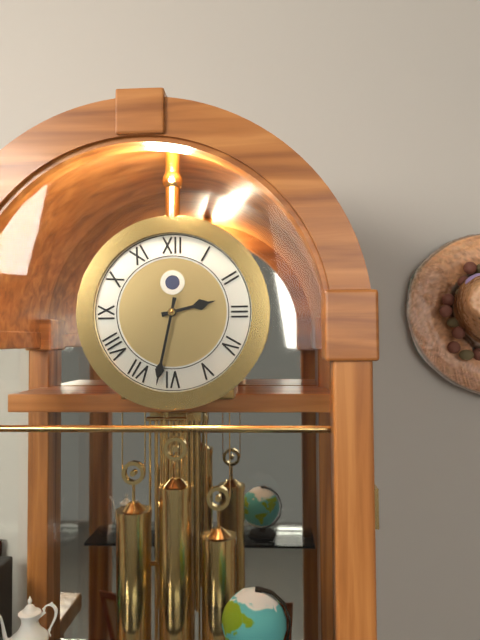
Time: {"hour": 2, "minute": 32}
